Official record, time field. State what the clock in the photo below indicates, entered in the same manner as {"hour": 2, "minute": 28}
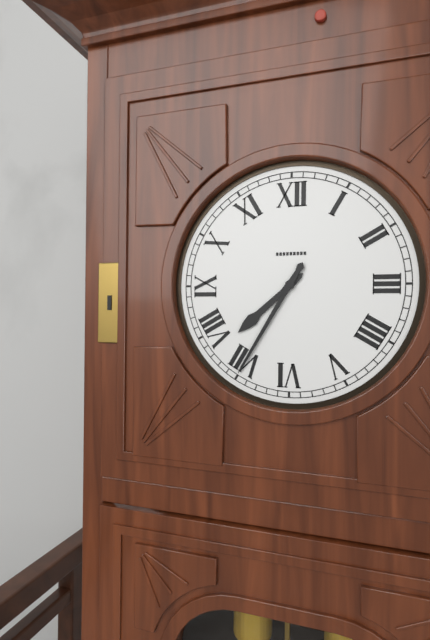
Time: {"hour": 7, "minute": 35}
